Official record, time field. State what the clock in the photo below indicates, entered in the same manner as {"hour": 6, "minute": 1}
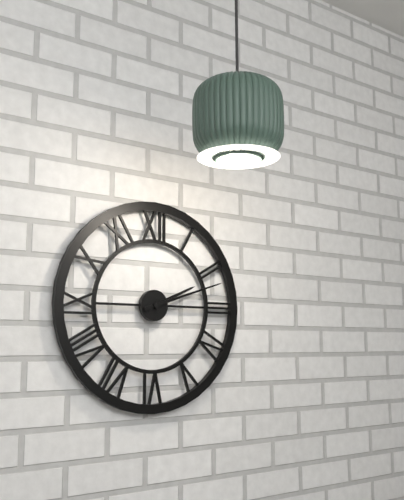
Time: {"hour": 2, "minute": 12}
